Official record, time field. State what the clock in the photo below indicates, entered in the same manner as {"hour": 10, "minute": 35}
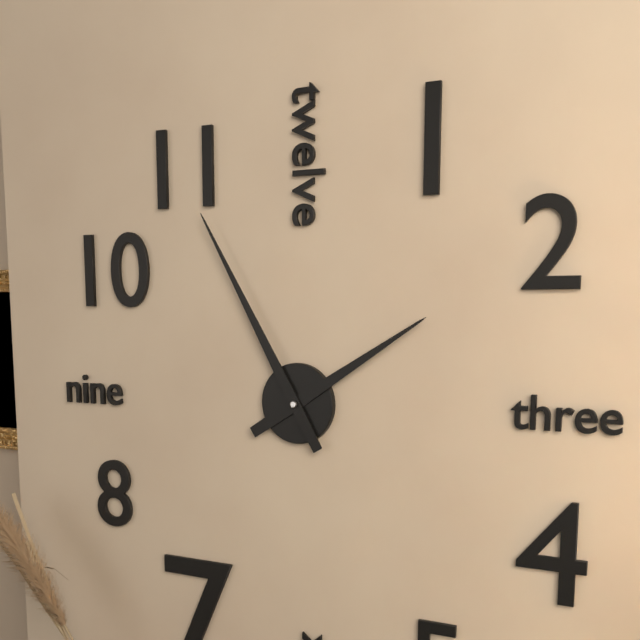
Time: {"hour": 1, "minute": 55}
